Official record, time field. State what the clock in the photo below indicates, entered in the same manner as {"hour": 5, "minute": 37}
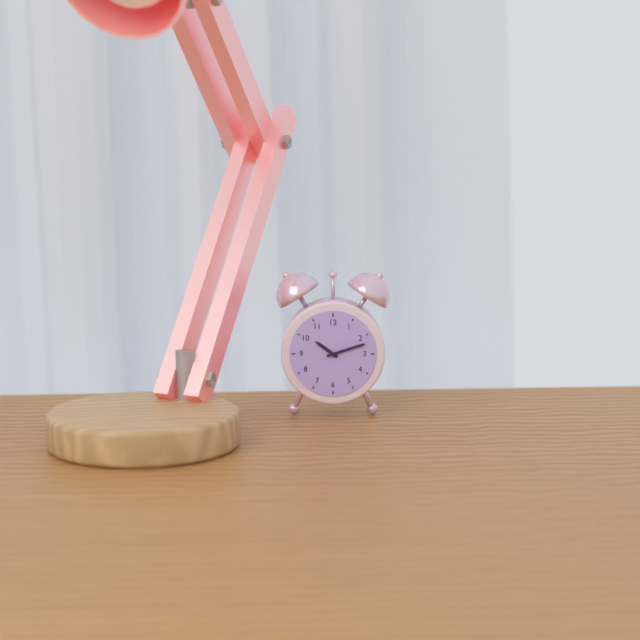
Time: {"hour": 10, "minute": 12}
